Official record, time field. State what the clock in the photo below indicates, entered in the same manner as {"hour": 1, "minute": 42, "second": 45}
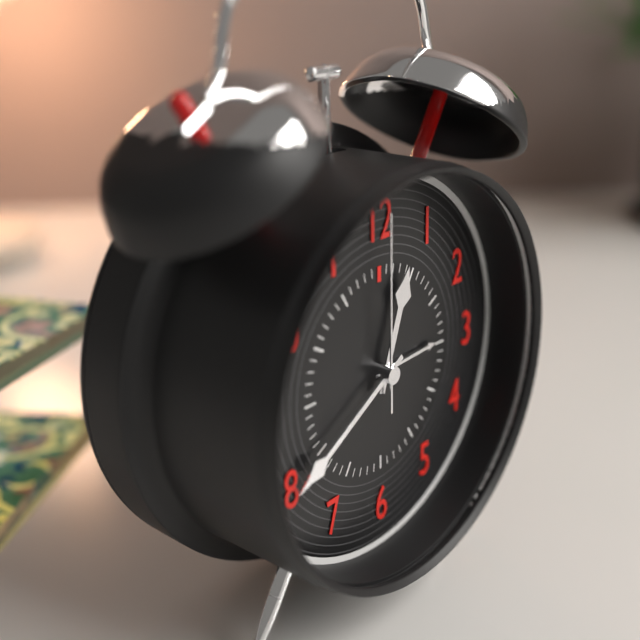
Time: {"hour": 12, "minute": 40, "second": 0}
